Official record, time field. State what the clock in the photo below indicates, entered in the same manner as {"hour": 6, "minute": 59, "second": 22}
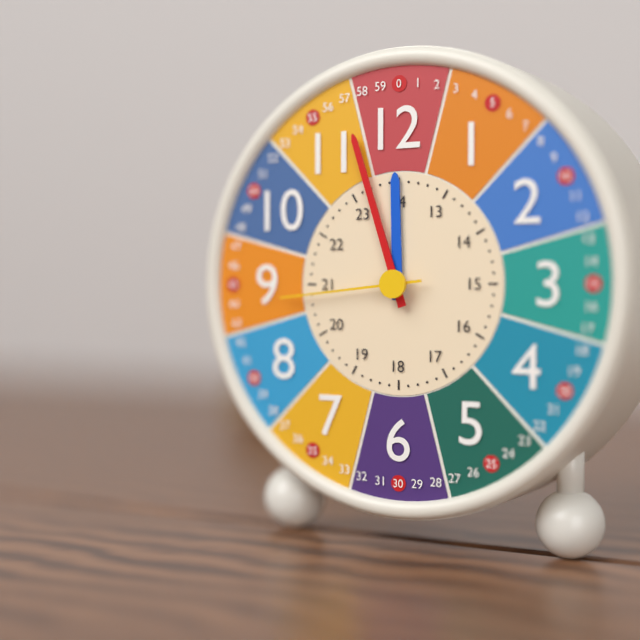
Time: {"hour": 11, "minute": 57, "second": 44}
